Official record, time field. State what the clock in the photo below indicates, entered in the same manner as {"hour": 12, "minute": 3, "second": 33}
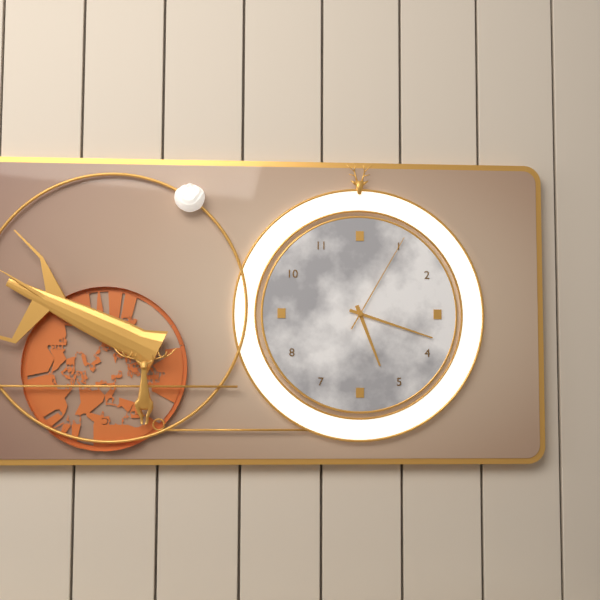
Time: {"hour": 5, "minute": 18, "second": 5}
